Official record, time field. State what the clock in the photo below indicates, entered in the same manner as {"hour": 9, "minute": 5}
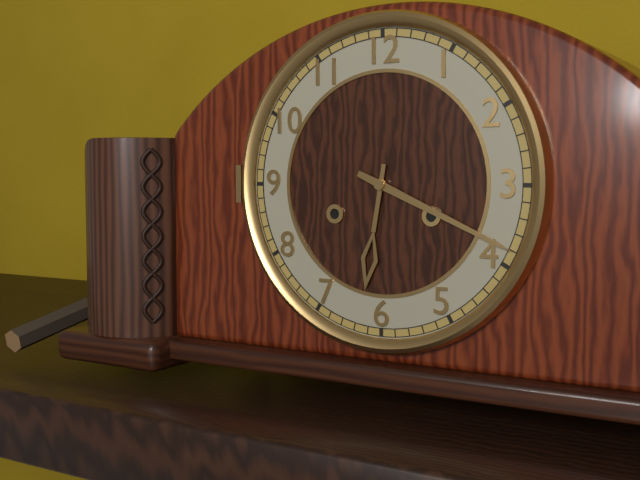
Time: {"hour": 6, "minute": 19}
